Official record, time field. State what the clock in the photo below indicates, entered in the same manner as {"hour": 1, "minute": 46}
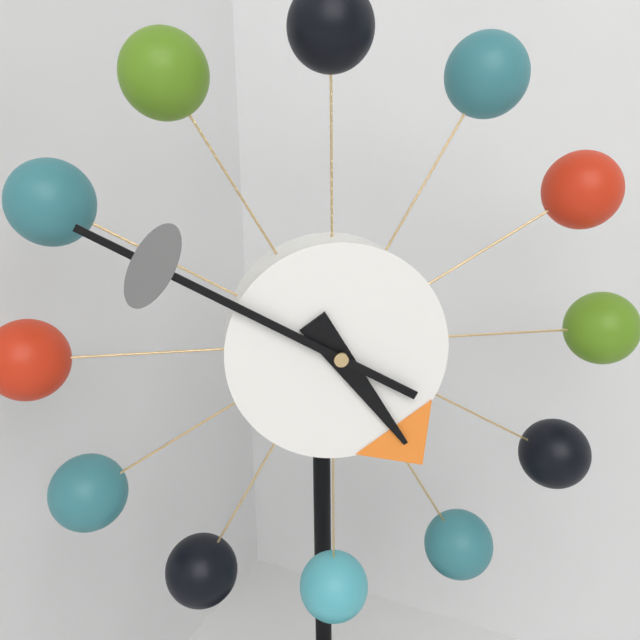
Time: {"hour": 4, "minute": 50}
